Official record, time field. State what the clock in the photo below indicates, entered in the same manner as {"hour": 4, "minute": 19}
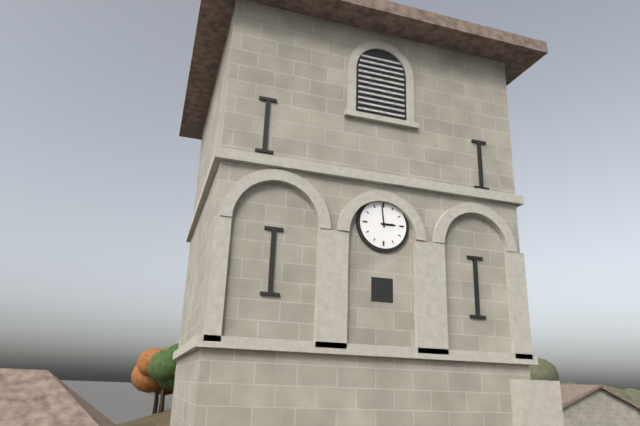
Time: {"hour": 2, "minute": 59}
